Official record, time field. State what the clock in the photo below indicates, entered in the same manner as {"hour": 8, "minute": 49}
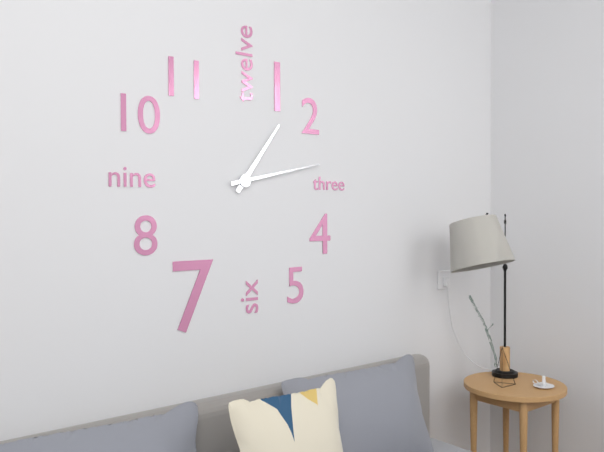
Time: {"hour": 1, "minute": 13}
